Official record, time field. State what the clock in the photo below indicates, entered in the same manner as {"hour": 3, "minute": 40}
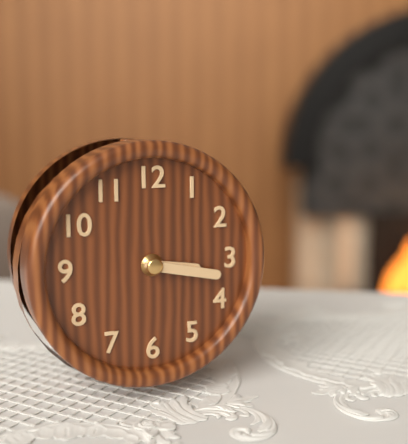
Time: {"hour": 3, "minute": 17}
